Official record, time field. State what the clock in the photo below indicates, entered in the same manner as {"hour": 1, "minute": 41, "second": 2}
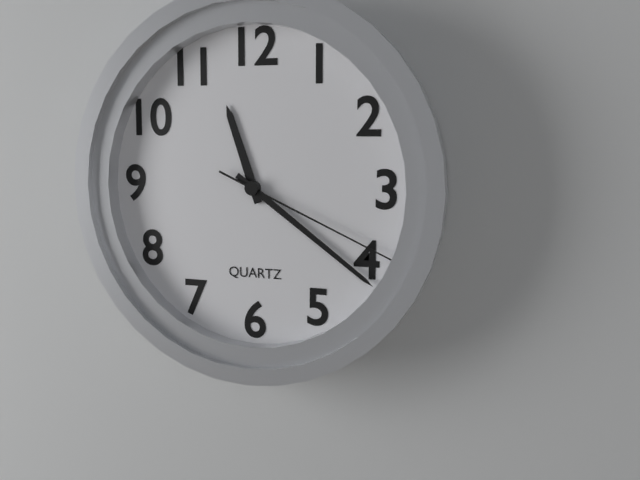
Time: {"hour": 11, "minute": 21, "second": 19}
